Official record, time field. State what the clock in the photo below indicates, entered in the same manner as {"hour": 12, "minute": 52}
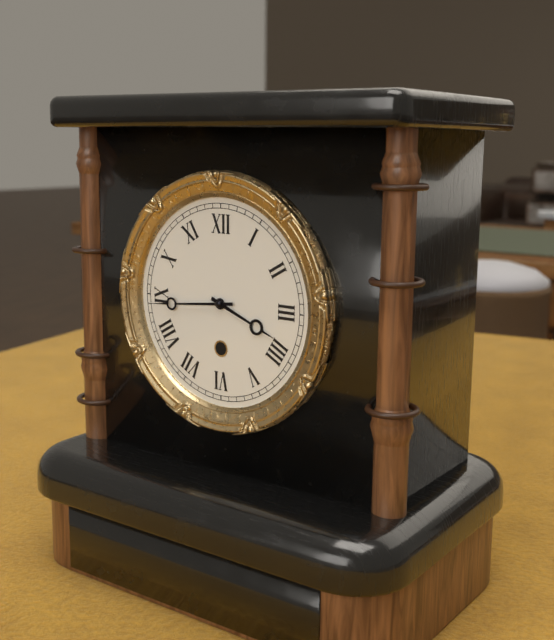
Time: {"hour": 3, "minute": 44}
